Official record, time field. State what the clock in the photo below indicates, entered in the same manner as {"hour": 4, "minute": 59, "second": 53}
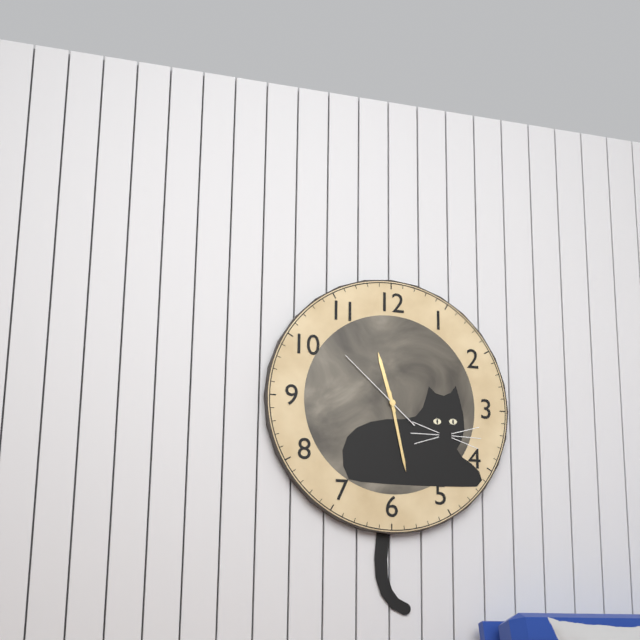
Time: {"hour": 11, "minute": 28, "second": 52}
